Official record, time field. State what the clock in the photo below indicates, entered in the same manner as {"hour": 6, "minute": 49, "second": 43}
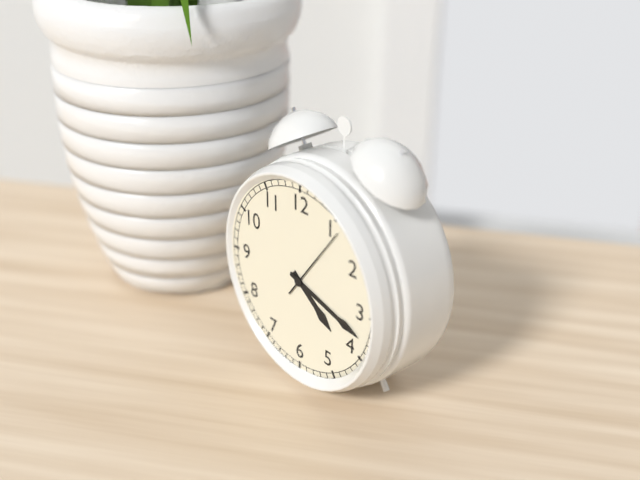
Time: {"hour": 4, "minute": 18, "second": 6}
